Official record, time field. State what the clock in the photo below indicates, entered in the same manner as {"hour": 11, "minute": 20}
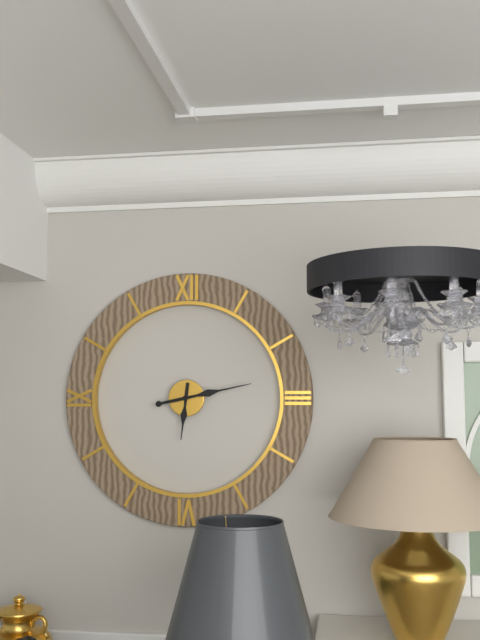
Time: {"hour": 6, "minute": 13}
